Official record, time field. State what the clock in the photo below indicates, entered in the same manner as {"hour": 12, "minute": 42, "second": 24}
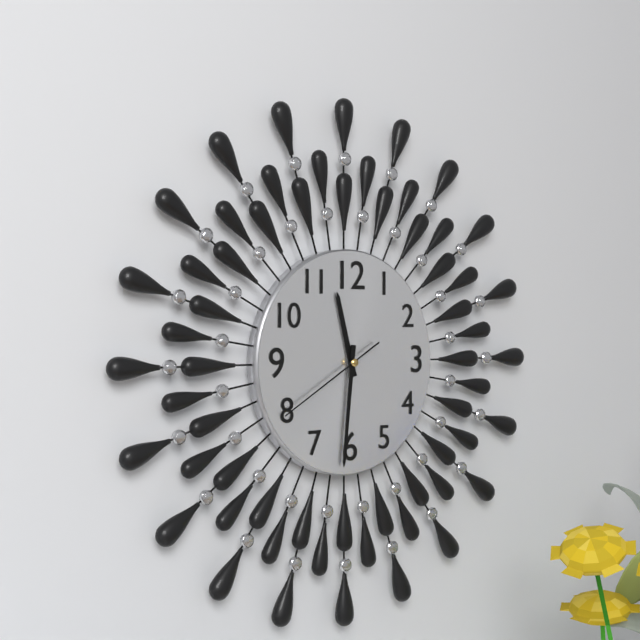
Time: {"hour": 11, "minute": 31, "second": 40}
